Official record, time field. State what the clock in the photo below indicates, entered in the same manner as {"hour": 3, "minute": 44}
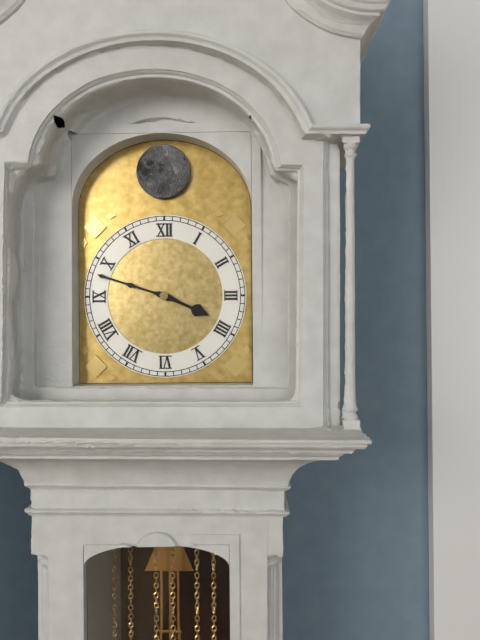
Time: {"hour": 3, "minute": 48}
